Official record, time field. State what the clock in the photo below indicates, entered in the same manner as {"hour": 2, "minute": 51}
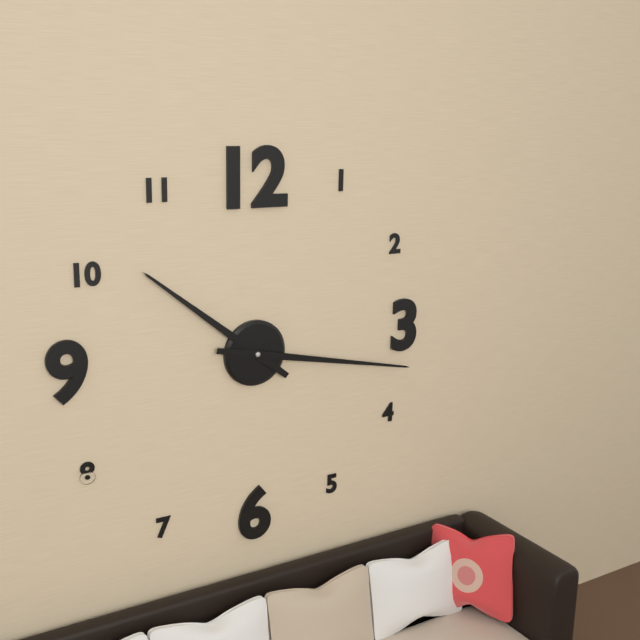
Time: {"hour": 10, "minute": 17}
